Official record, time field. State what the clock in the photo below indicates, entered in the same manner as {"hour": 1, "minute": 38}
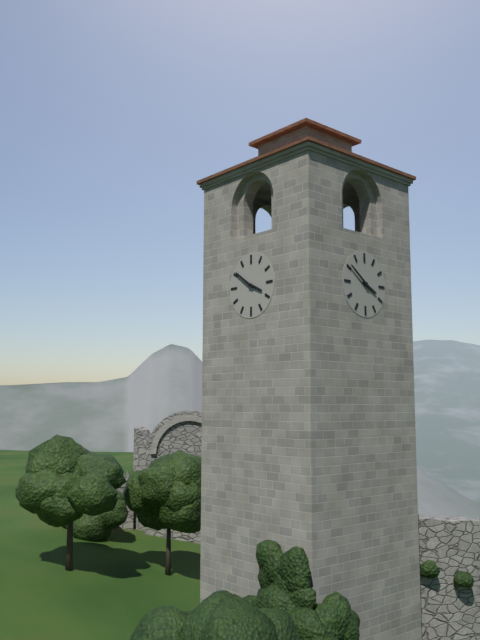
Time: {"hour": 3, "minute": 51}
